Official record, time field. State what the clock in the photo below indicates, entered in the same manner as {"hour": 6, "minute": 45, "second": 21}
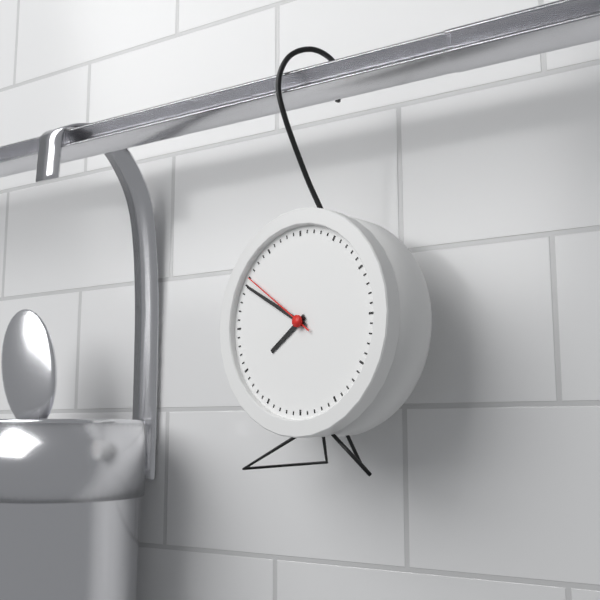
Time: {"hour": 7, "minute": 50, "second": 51}
